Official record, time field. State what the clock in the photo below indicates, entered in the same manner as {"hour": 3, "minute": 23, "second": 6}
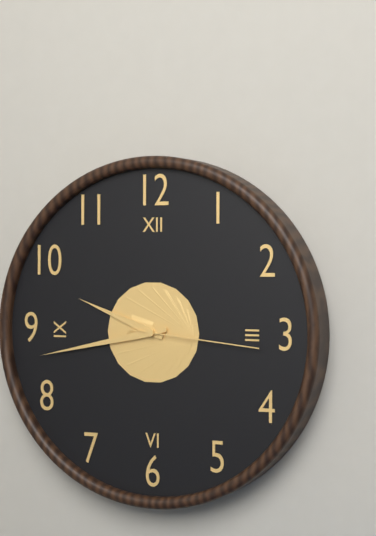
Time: {"hour": 9, "minute": 43, "second": 16}
